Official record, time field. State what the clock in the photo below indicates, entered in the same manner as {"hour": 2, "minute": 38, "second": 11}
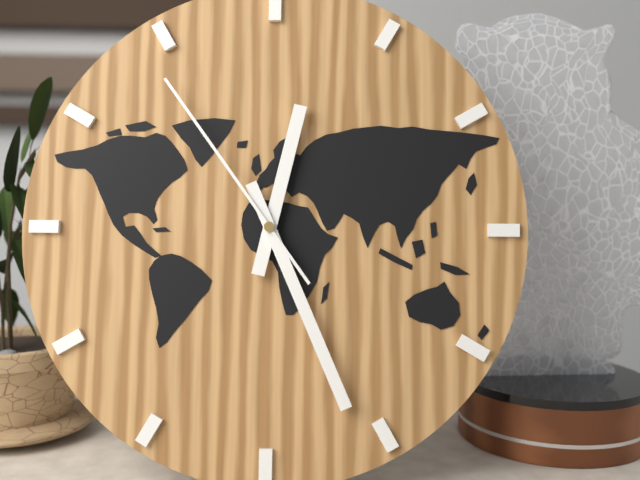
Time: {"hour": 12, "minute": 26, "second": 54}
